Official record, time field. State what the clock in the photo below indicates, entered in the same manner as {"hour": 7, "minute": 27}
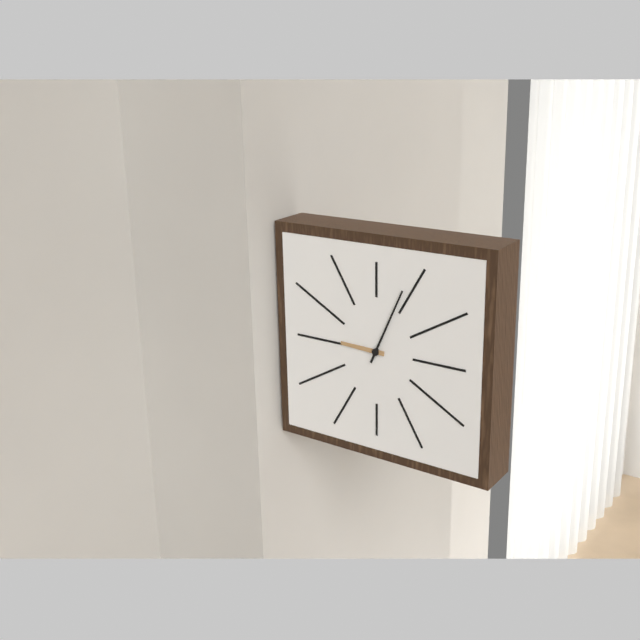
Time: {"hour": 9, "minute": 4}
